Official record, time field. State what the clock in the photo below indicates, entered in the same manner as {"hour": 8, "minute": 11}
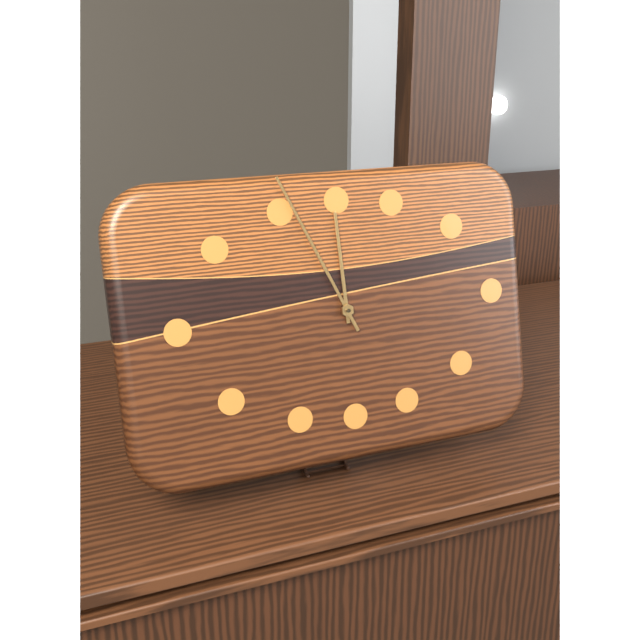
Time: {"hour": 11, "minute": 56}
